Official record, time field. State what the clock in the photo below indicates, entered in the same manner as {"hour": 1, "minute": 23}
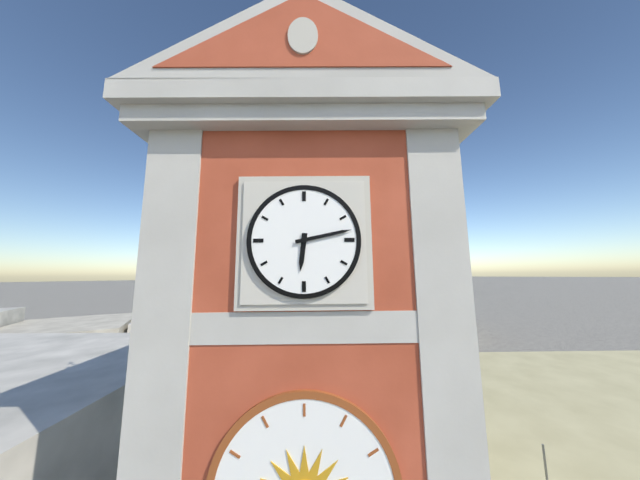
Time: {"hour": 6, "minute": 13}
